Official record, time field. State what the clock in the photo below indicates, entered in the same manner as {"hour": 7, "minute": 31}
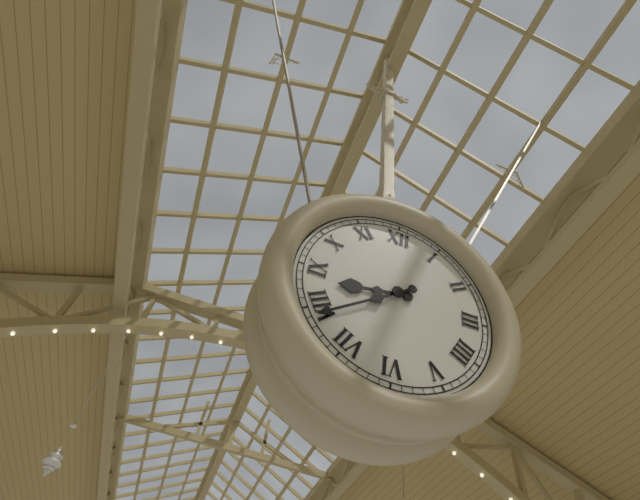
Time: {"hour": 8, "minute": 39}
